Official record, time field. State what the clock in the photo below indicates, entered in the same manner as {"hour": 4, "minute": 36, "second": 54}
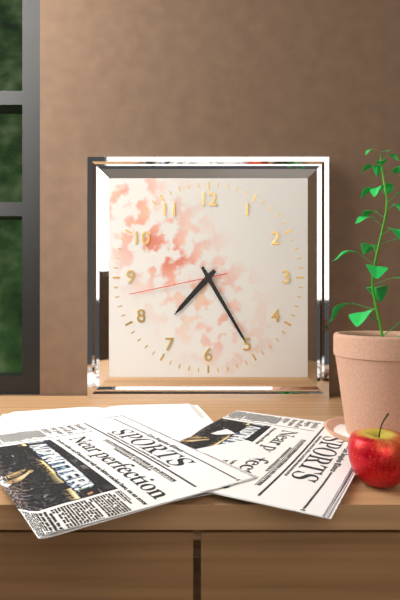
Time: {"hour": 7, "minute": 25, "second": 43}
